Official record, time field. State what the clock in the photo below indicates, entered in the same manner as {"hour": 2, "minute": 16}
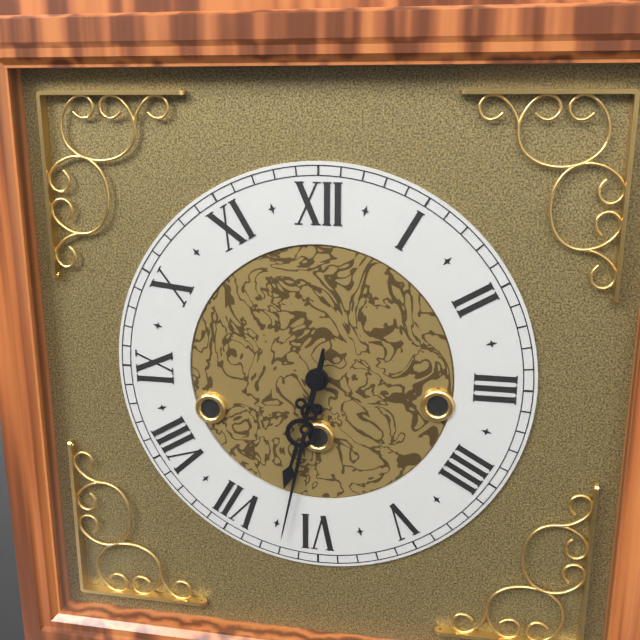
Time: {"hour": 6, "minute": 32}
